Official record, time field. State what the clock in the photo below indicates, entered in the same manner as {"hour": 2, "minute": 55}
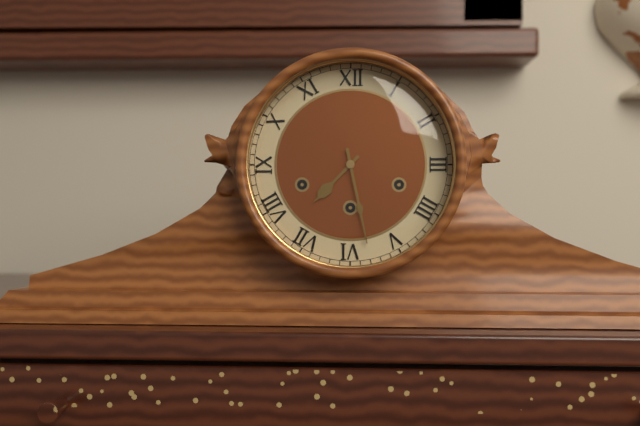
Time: {"hour": 7, "minute": 28}
